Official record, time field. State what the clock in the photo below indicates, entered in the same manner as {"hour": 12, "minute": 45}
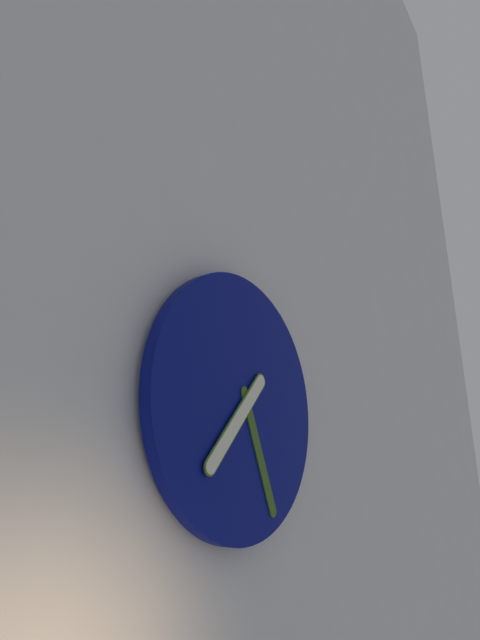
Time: {"hour": 7, "minute": 26}
